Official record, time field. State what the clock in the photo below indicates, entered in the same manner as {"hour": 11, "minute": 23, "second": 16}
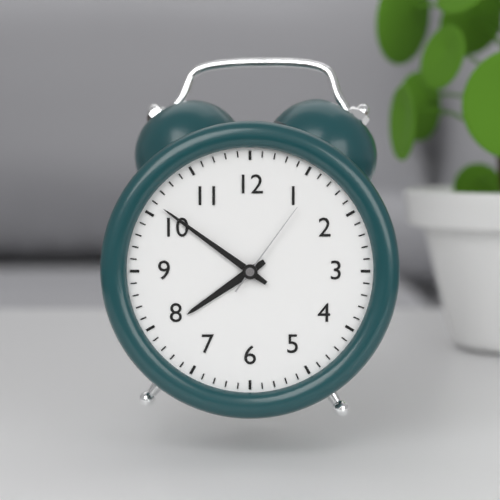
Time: {"hour": 7, "minute": 51, "second": 6}
